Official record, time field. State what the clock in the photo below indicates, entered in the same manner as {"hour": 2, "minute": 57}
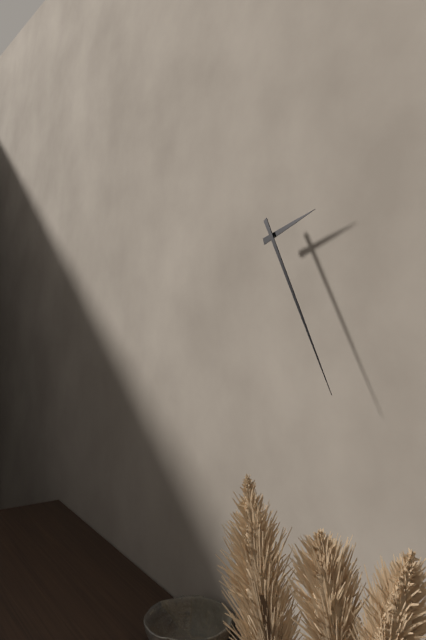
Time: {"hour": 2, "minute": 25}
